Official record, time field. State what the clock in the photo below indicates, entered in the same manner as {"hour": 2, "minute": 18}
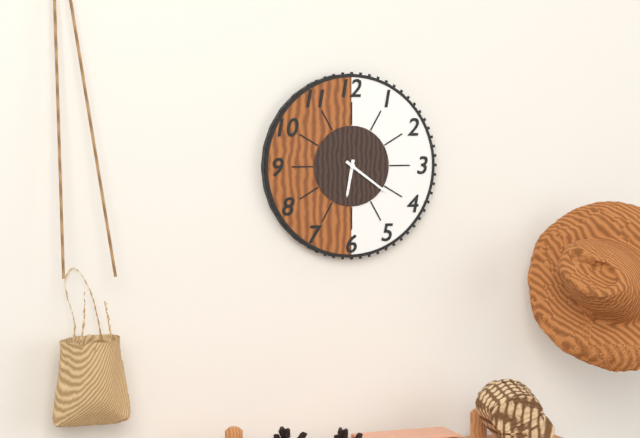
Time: {"hour": 6, "minute": 21}
